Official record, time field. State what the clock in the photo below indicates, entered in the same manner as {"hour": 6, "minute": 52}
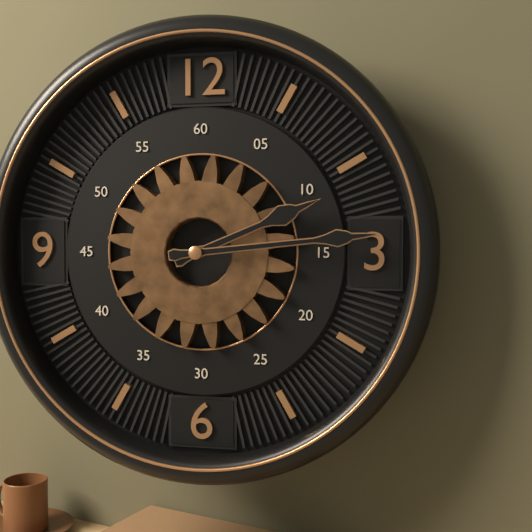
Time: {"hour": 2, "minute": 14}
